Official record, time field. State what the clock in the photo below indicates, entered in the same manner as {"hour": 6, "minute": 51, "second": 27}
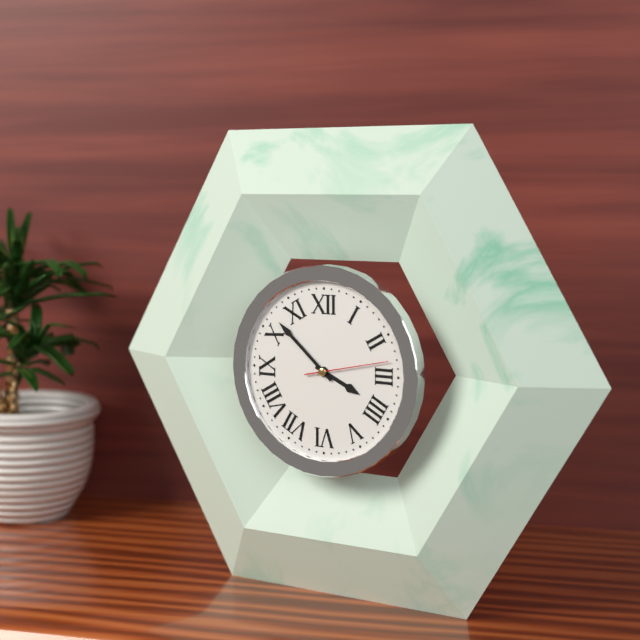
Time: {"hour": 3, "minute": 52, "second": 13}
